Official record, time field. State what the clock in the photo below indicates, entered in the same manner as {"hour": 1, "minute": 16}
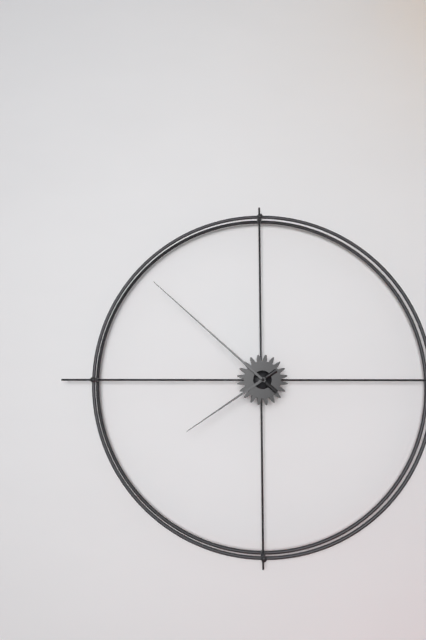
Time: {"hour": 7, "minute": 52}
